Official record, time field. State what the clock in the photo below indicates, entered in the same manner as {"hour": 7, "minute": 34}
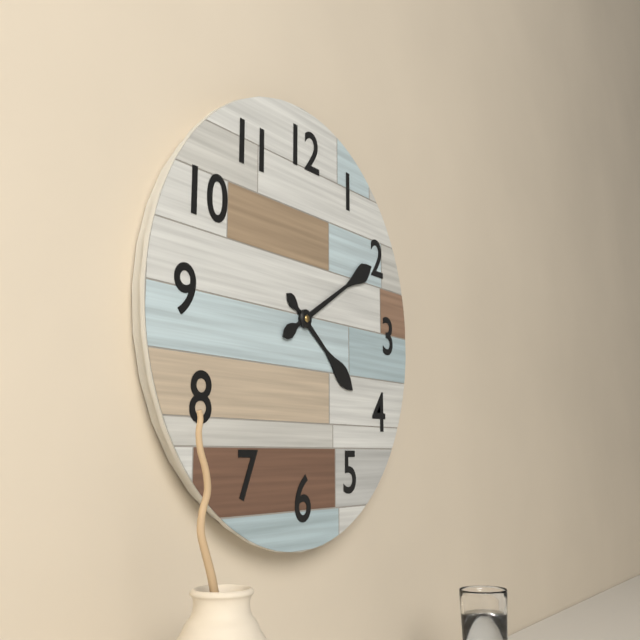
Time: {"hour": 4, "minute": 10}
